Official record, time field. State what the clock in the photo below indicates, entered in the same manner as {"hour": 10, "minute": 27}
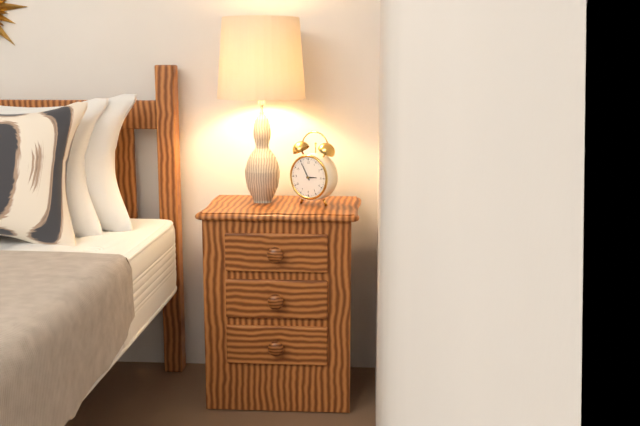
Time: {"hour": 2, "minute": 55}
